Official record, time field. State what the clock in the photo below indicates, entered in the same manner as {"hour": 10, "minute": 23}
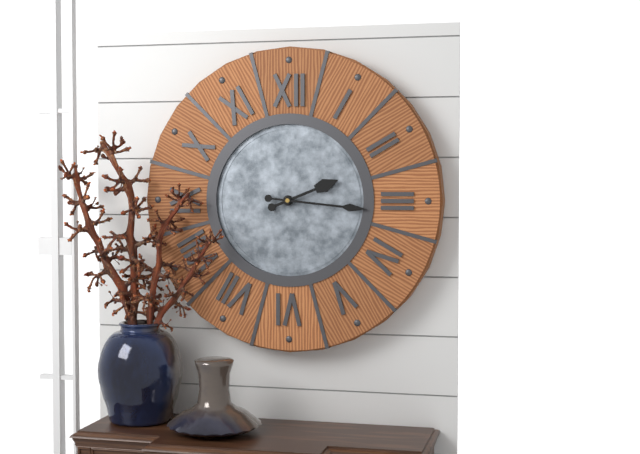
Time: {"hour": 2, "minute": 16}
